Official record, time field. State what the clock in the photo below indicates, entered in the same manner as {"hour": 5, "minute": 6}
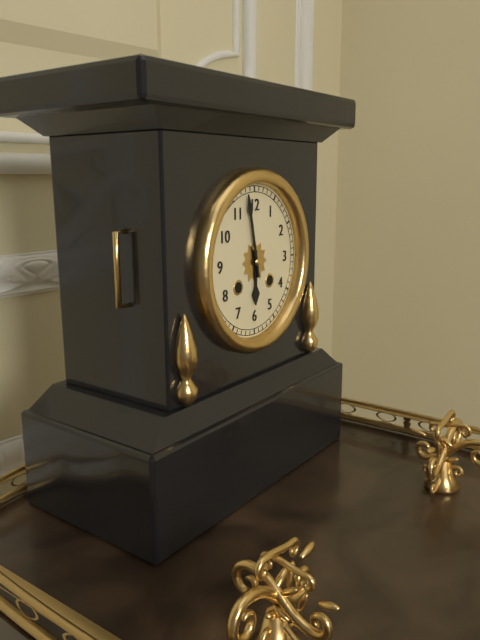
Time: {"hour": 5, "minute": 58}
